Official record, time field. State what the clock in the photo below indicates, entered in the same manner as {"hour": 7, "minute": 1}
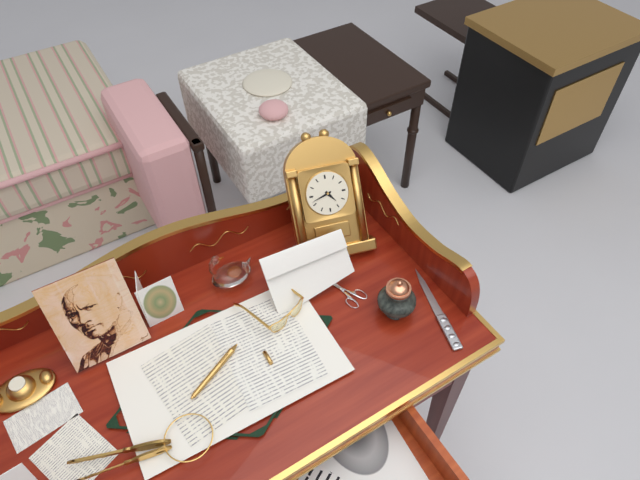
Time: {"hour": 4, "minute": 42}
